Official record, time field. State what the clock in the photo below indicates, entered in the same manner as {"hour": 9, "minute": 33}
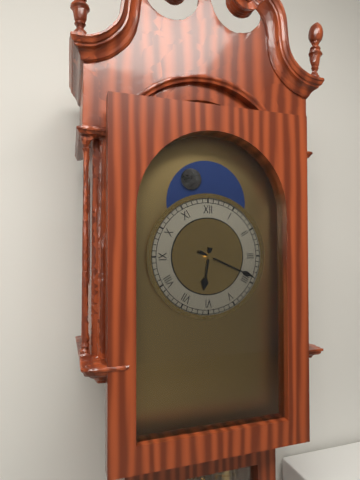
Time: {"hour": 6, "minute": 19}
